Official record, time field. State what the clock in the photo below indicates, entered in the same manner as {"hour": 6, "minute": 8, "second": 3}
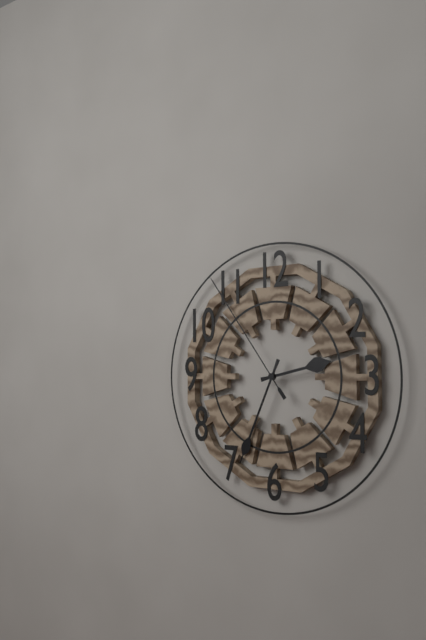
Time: {"hour": 2, "minute": 34, "second": 54}
